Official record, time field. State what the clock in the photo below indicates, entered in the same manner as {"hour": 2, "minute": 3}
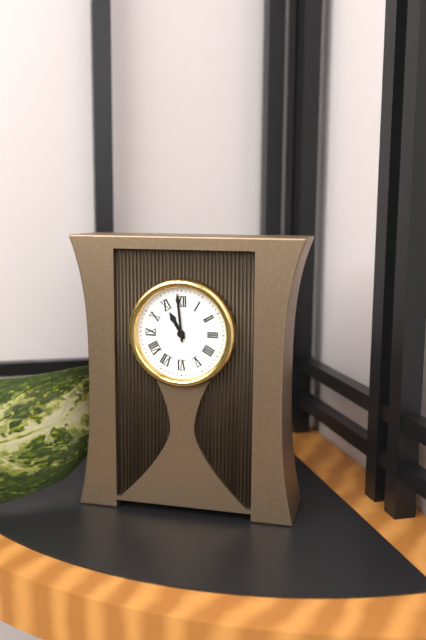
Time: {"hour": 10, "minute": 59}
